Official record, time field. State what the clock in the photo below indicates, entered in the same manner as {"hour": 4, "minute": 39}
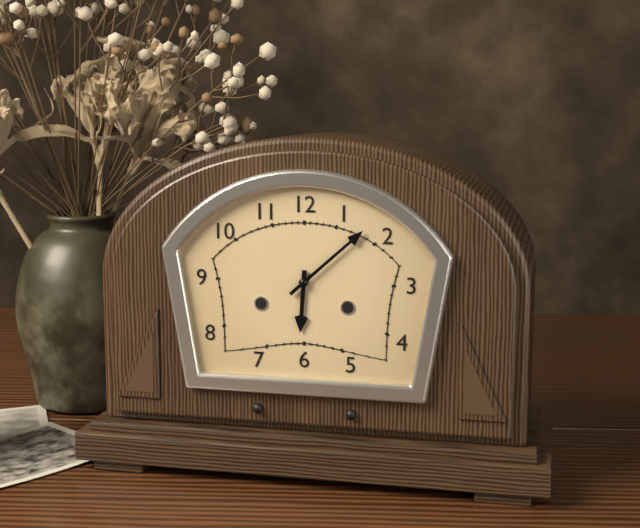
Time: {"hour": 6, "minute": 8}
